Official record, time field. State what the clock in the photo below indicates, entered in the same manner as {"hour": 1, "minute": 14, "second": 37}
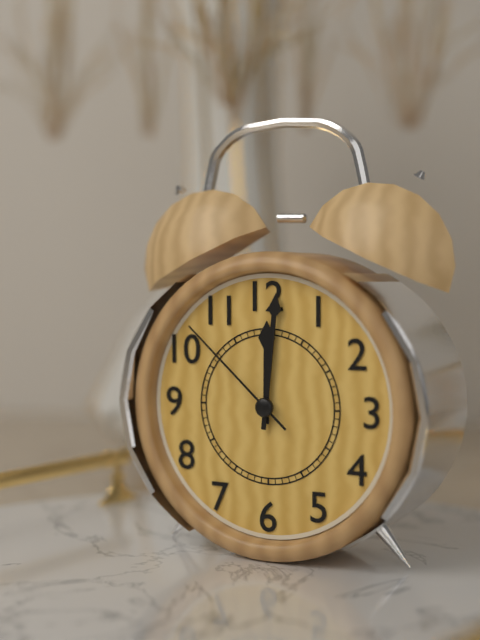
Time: {"hour": 12, "minute": 1, "second": 52}
